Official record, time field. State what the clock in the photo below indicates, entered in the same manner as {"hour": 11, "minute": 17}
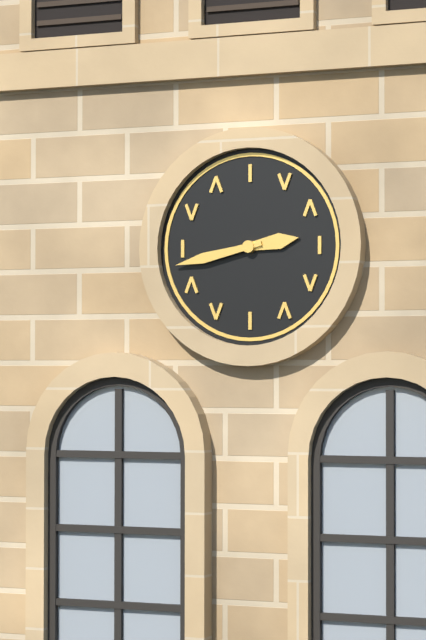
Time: {"hour": 2, "minute": 43}
